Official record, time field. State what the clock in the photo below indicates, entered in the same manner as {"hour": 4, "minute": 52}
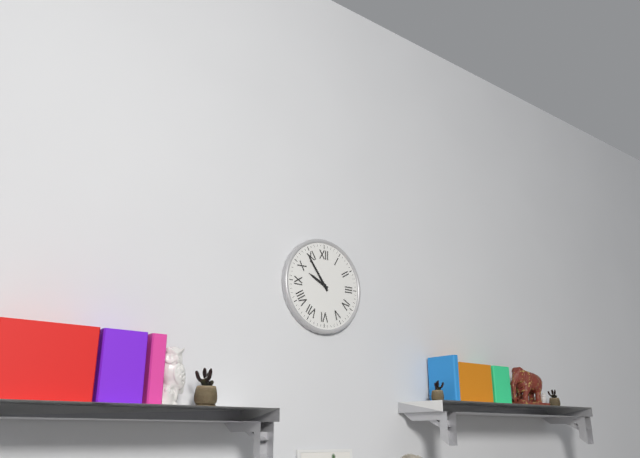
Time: {"hour": 9, "minute": 54}
